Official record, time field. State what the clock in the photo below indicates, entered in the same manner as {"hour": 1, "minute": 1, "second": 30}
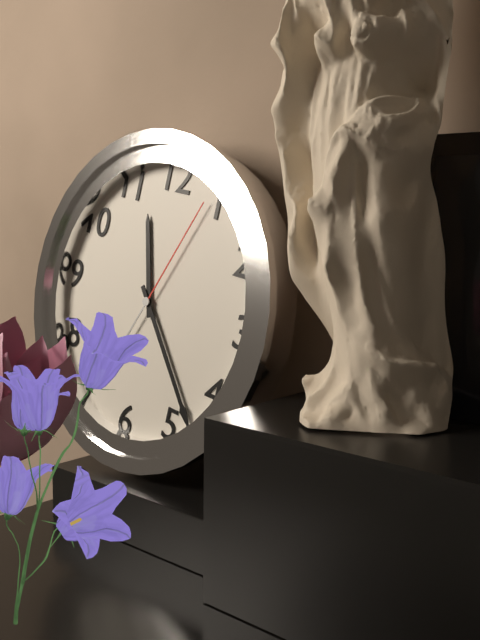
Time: {"hour": 11, "minute": 23, "second": 4}
